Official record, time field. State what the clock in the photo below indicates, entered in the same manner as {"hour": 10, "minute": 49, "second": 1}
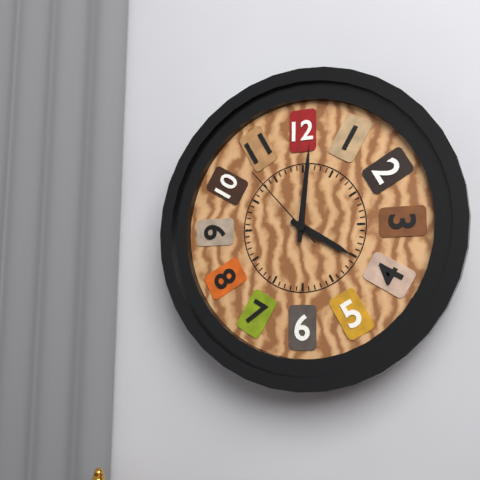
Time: {"hour": 4, "minute": 1, "second": 53}
